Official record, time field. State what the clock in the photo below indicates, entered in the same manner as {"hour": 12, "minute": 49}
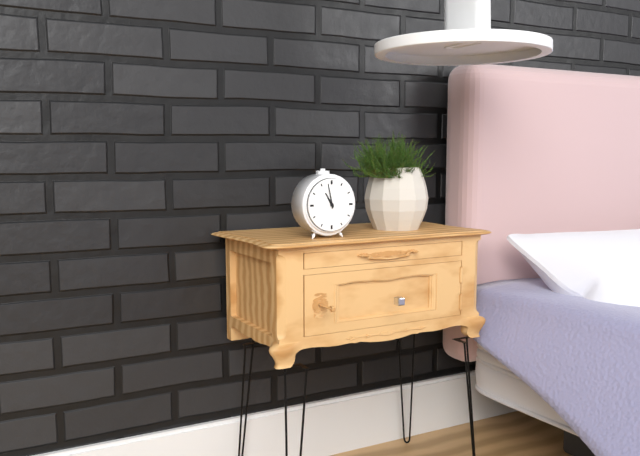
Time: {"hour": 10, "minute": 58}
